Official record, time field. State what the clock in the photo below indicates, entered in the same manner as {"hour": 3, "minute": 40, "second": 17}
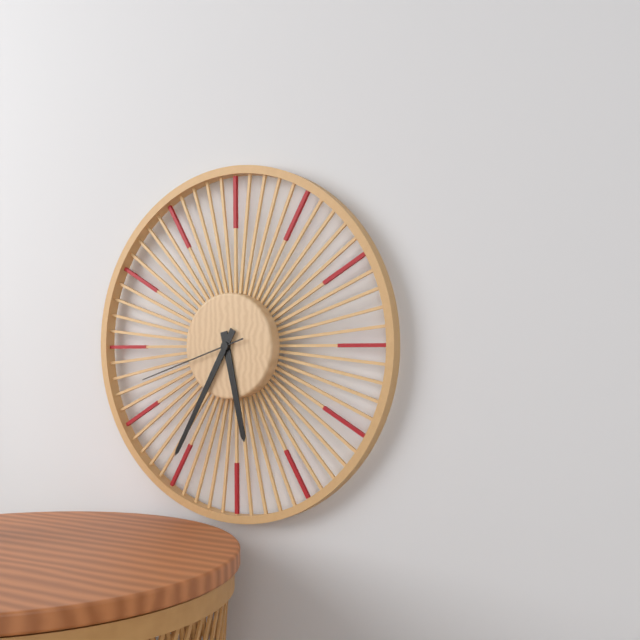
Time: {"hour": 5, "minute": 35, "second": 42}
